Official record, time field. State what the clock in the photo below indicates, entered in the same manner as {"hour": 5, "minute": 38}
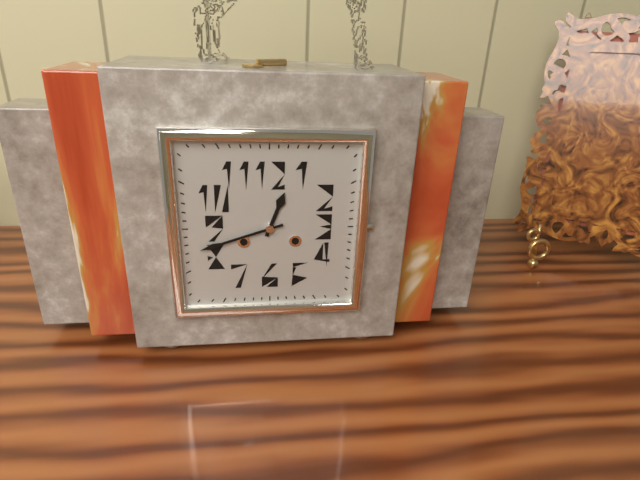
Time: {"hour": 12, "minute": 42}
